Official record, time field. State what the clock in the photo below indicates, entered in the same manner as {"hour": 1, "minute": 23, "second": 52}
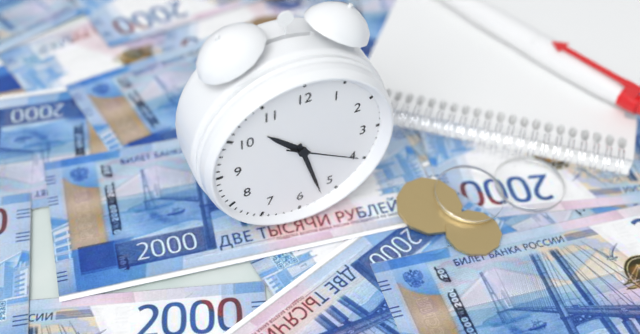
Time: {"hour": 10, "minute": 27, "second": 20}
